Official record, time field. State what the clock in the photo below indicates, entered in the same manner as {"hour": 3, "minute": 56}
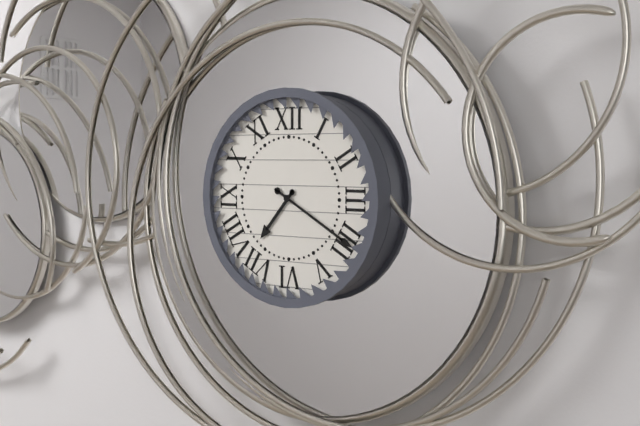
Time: {"hour": 7, "minute": 20}
